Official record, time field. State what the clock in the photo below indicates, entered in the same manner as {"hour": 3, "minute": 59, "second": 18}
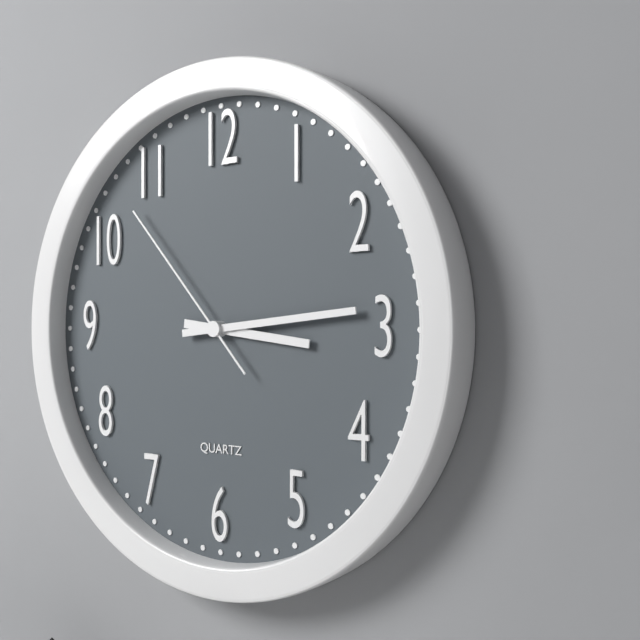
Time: {"hour": 3, "minute": 14, "second": 53}
